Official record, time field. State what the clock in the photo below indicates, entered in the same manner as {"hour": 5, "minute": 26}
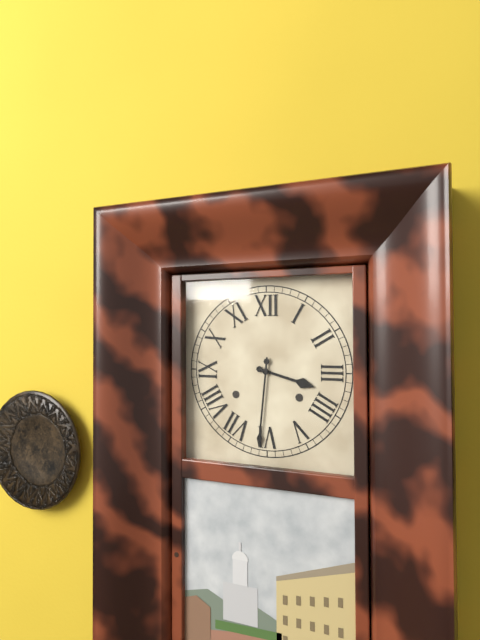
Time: {"hour": 3, "minute": 31}
